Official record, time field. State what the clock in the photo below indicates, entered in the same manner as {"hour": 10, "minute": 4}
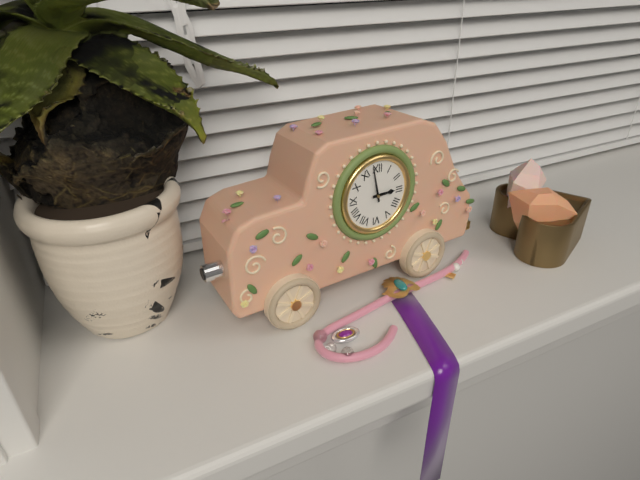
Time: {"hour": 2, "minute": 58}
